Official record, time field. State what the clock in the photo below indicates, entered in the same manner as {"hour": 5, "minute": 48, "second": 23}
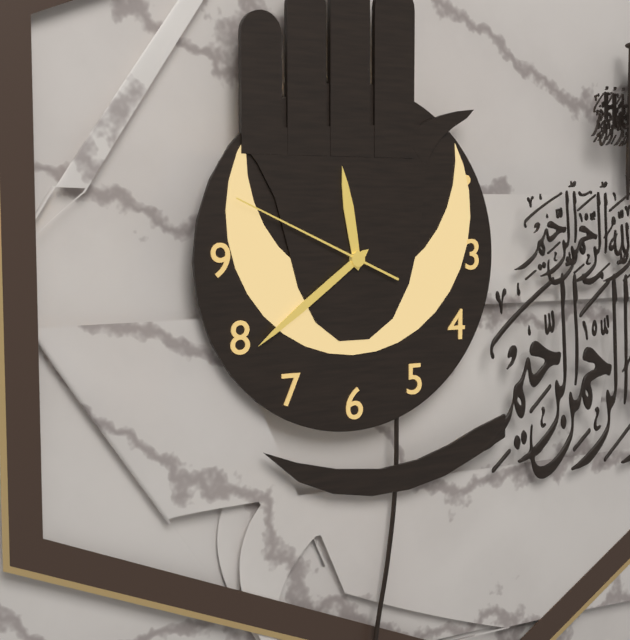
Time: {"hour": 11, "minute": 39, "second": 49}
